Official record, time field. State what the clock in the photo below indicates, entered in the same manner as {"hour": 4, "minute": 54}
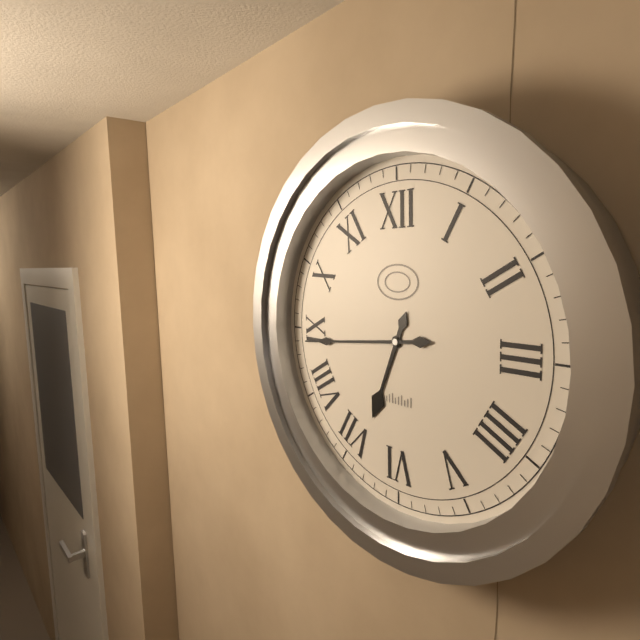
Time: {"hour": 6, "minute": 44}
